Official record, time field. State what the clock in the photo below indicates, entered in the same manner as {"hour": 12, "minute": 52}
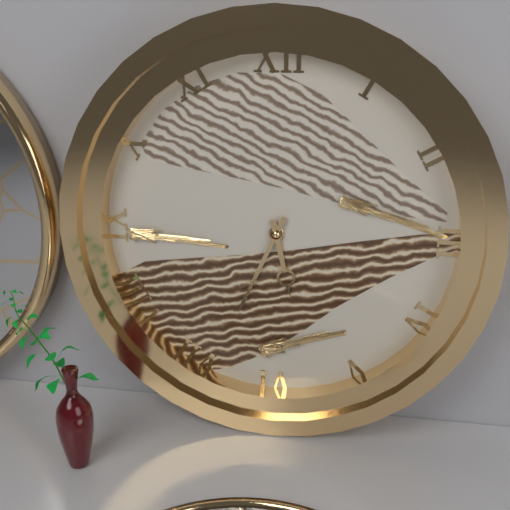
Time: {"hour": 5, "minute": 34}
